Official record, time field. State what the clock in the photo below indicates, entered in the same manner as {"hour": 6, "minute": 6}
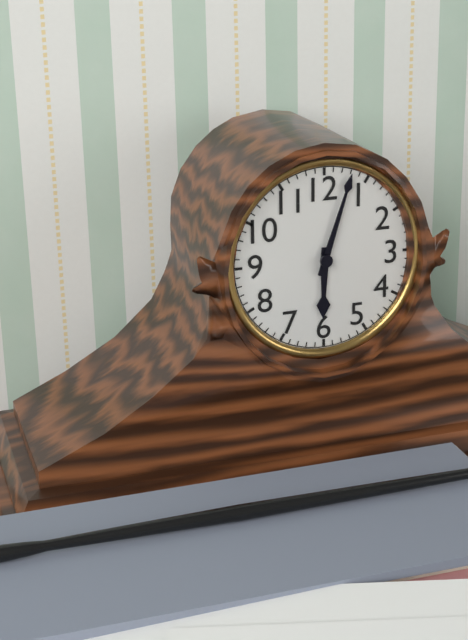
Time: {"hour": 6, "minute": 3}
